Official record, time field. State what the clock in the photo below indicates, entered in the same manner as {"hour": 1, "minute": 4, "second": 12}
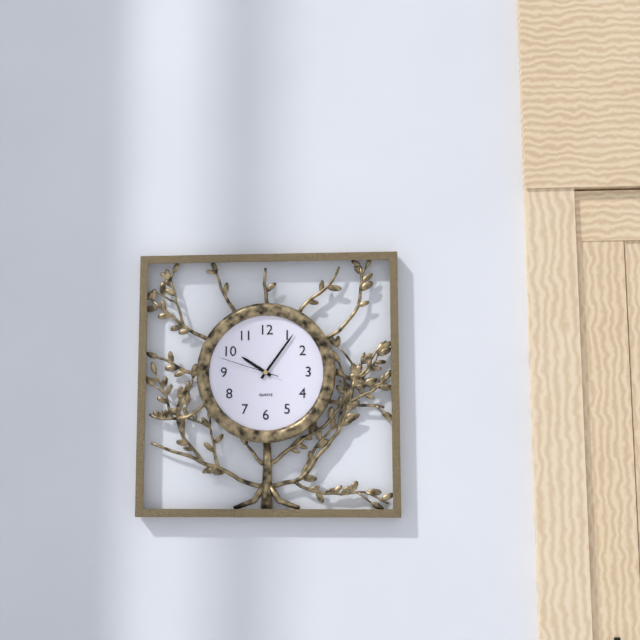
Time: {"hour": 10, "minute": 6, "second": 48}
